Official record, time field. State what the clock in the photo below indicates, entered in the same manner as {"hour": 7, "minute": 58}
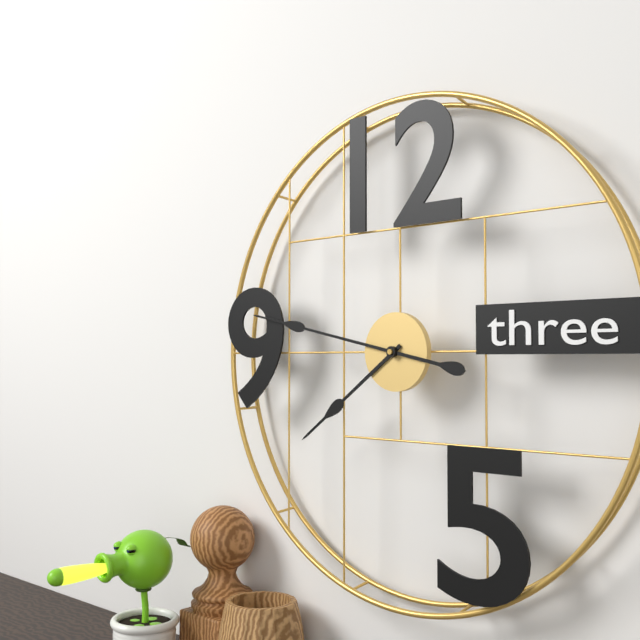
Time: {"hour": 7, "minute": 47}
